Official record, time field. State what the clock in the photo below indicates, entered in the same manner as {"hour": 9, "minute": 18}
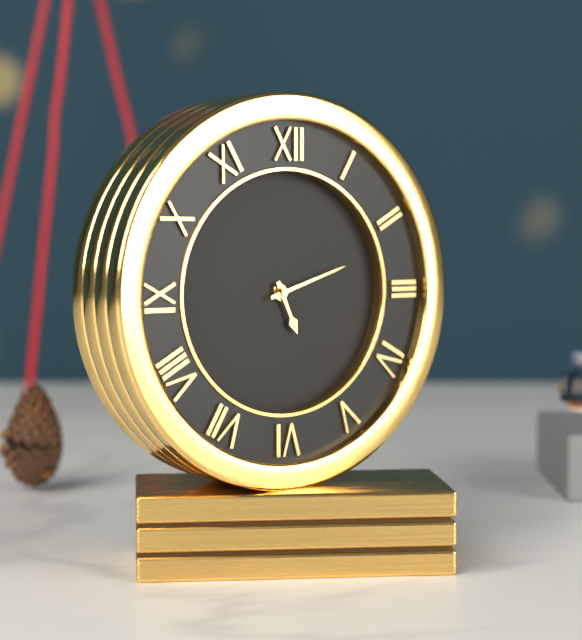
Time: {"hour": 5, "minute": 12}
